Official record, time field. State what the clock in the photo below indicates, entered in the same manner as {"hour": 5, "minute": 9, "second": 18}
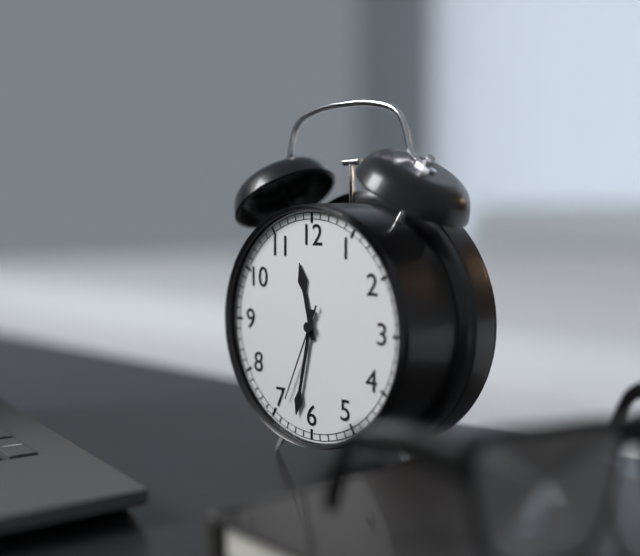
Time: {"hour": 11, "minute": 32, "second": 34}
